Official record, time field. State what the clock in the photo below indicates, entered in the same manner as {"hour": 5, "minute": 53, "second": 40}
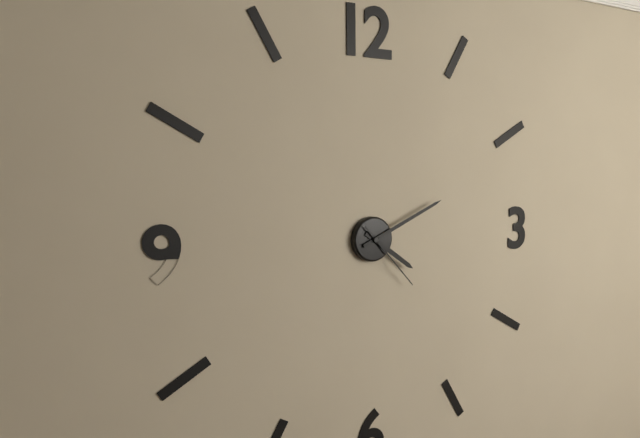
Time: {"hour": 4, "minute": 11, "second": 23}
